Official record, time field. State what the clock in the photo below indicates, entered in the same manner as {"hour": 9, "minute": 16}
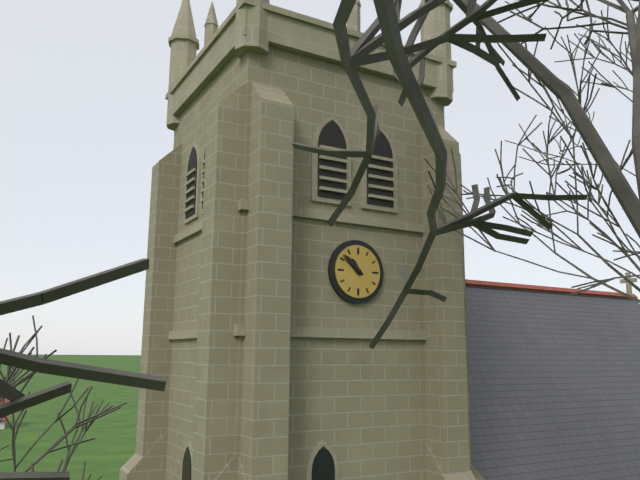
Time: {"hour": 10, "minute": 52}
